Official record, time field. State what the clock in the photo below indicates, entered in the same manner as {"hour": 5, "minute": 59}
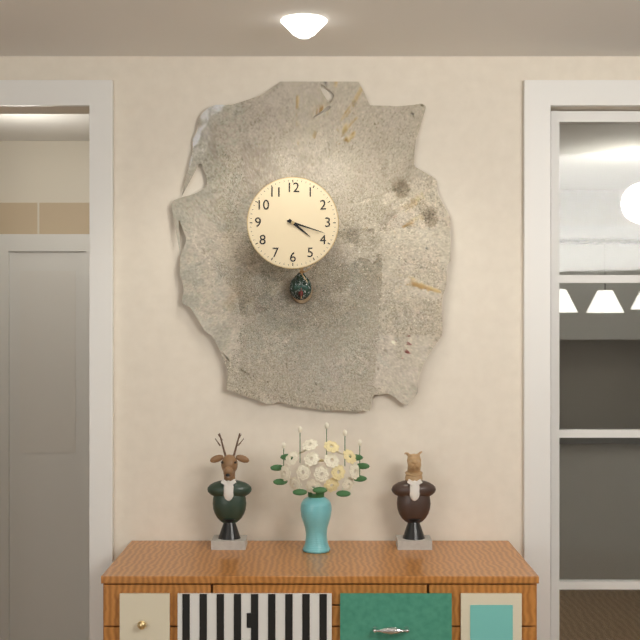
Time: {"hour": 4, "minute": 18}
